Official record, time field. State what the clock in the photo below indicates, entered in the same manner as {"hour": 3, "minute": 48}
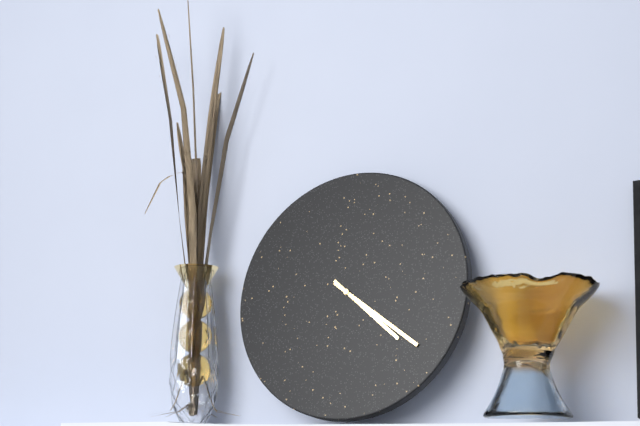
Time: {"hour": 4, "minute": 21}
